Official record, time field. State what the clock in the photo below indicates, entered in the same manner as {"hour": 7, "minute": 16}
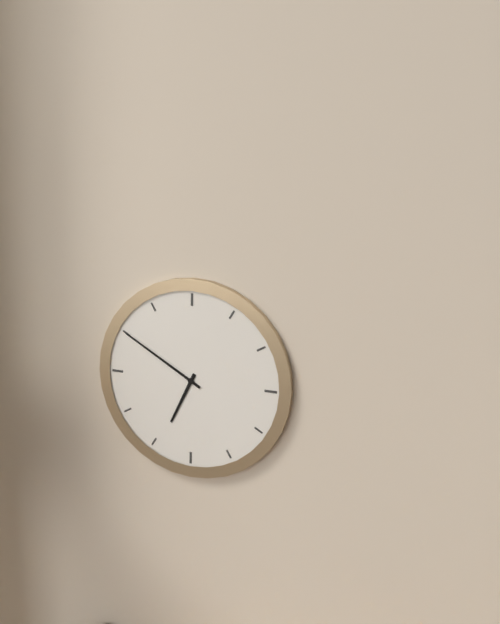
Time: {"hour": 6, "minute": 50}
